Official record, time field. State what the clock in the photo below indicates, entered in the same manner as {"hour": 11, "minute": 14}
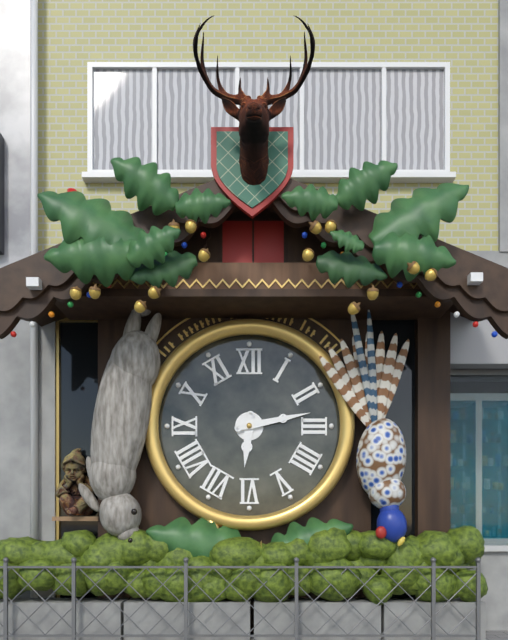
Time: {"hour": 6, "minute": 13}
